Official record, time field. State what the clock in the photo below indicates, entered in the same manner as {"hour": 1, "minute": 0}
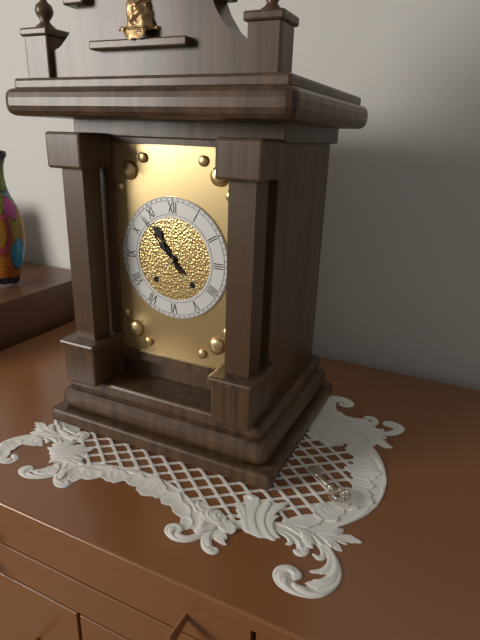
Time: {"hour": 10, "minute": 53}
